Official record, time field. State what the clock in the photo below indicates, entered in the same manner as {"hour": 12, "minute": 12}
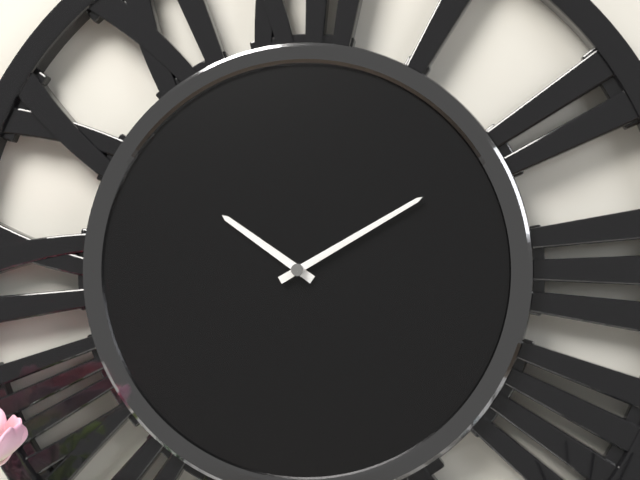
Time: {"hour": 10, "minute": 10}
